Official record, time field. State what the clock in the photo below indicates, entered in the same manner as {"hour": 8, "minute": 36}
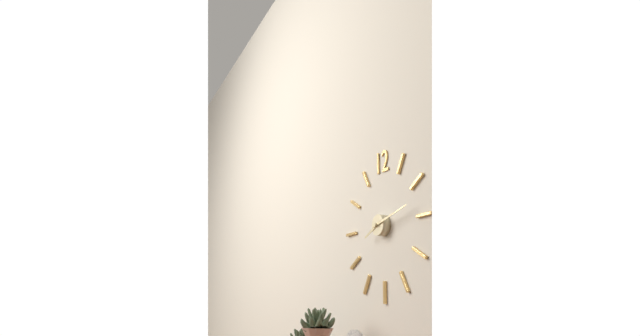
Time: {"hour": 8, "minute": 13}
